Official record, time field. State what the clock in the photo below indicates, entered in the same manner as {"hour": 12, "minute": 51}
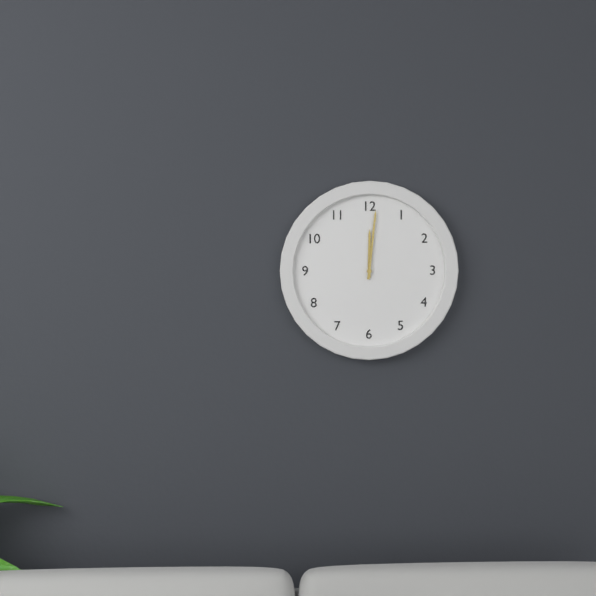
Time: {"hour": 12, "minute": 1}
